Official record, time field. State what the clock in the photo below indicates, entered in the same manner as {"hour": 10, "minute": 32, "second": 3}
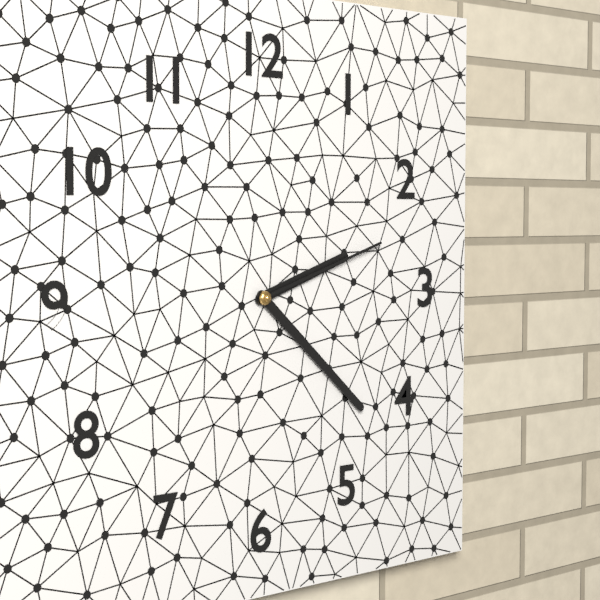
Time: {"hour": 2, "minute": 22, "second": 12}
